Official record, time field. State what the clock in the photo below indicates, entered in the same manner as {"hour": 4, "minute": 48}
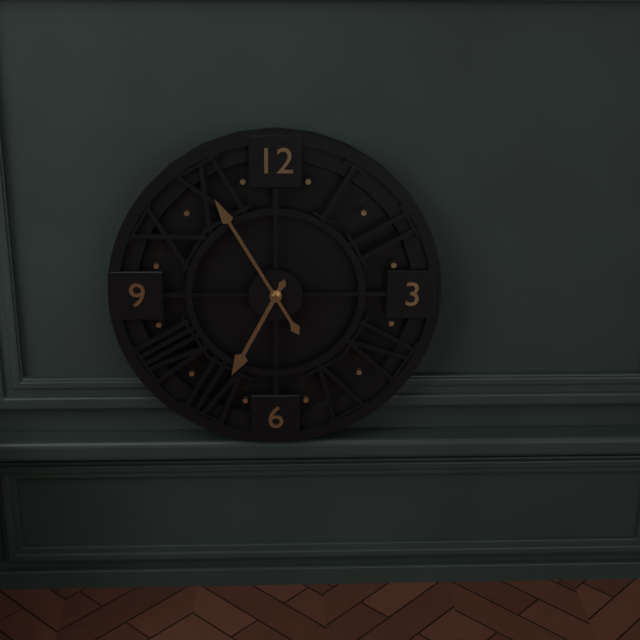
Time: {"hour": 6, "minute": 55}
